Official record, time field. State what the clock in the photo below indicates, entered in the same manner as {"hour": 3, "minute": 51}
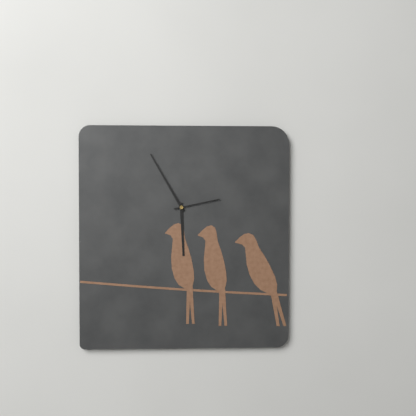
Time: {"hour": 5, "minute": 55}
